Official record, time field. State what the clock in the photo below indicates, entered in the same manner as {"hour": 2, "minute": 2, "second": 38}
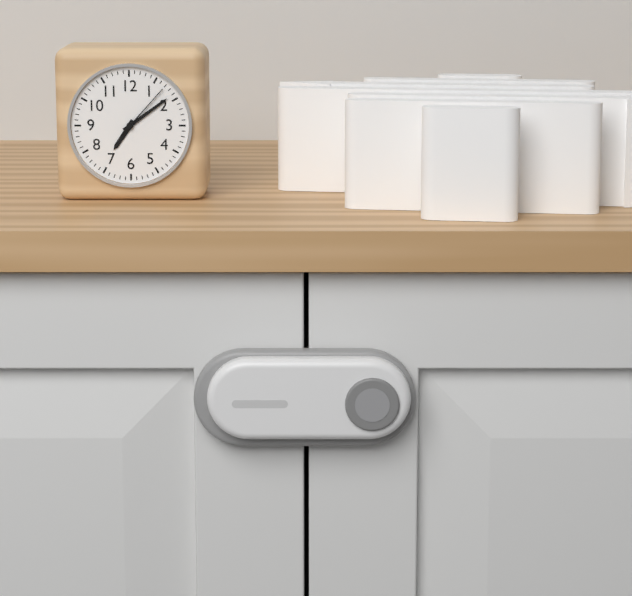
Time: {"hour": 7, "minute": 9, "second": 7}
